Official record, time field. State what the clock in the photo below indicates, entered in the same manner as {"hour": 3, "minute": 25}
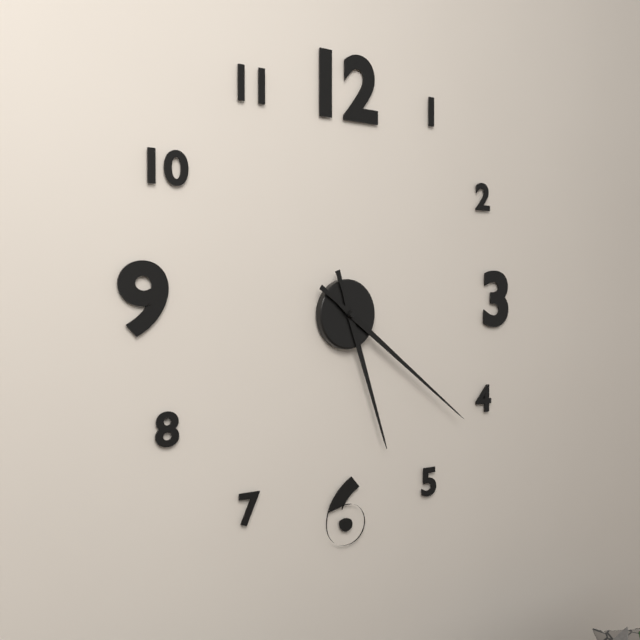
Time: {"hour": 5, "minute": 21}
